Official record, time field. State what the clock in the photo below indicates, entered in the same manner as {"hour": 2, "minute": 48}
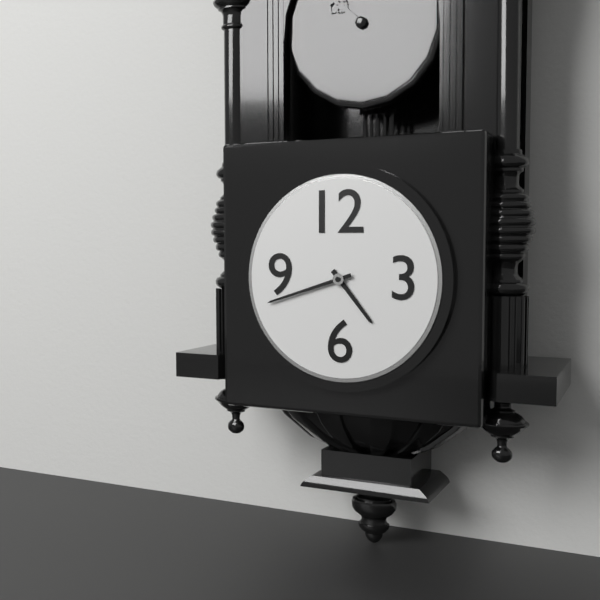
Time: {"hour": 4, "minute": 42}
